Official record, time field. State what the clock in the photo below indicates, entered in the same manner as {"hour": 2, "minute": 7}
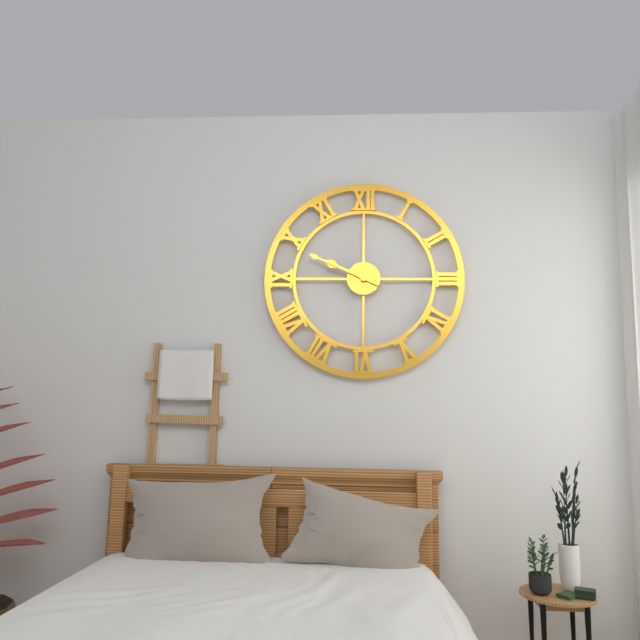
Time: {"hour": 9, "minute": 49}
